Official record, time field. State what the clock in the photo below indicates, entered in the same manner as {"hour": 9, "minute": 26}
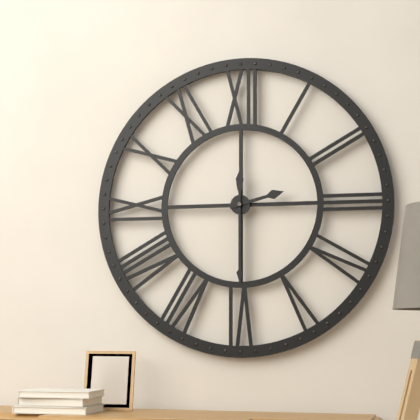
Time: {"hour": 2, "minute": 30}
